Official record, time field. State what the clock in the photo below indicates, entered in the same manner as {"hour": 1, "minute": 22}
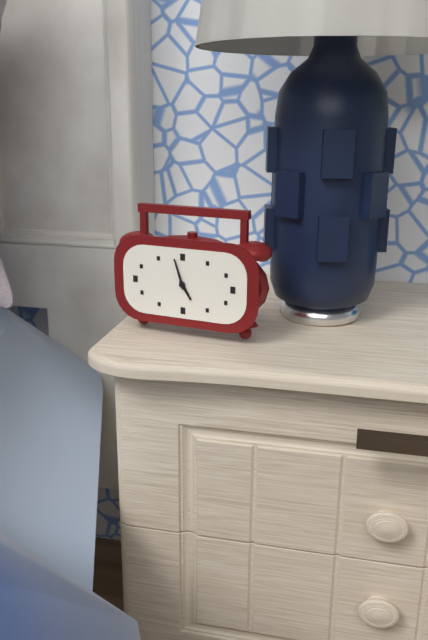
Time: {"hour": 4, "minute": 57}
